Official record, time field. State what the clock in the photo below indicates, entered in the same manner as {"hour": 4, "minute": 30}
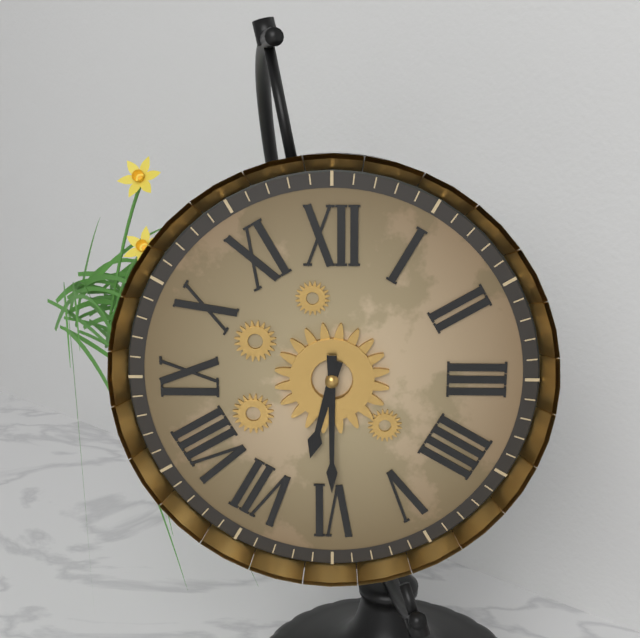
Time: {"hour": 6, "minute": 30}
